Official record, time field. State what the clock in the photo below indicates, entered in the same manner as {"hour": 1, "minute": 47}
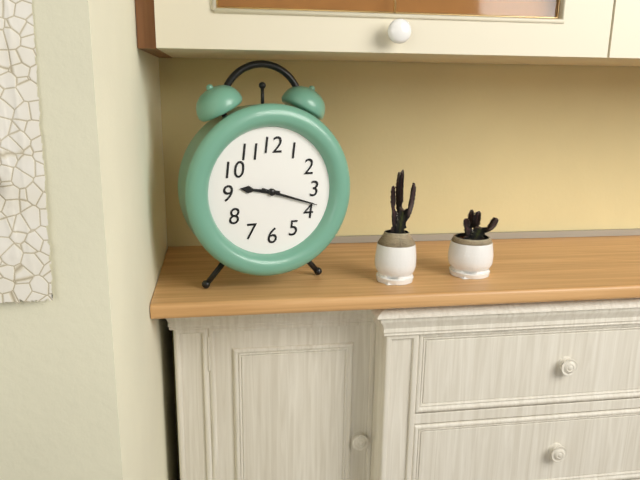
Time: {"hour": 9, "minute": 18}
